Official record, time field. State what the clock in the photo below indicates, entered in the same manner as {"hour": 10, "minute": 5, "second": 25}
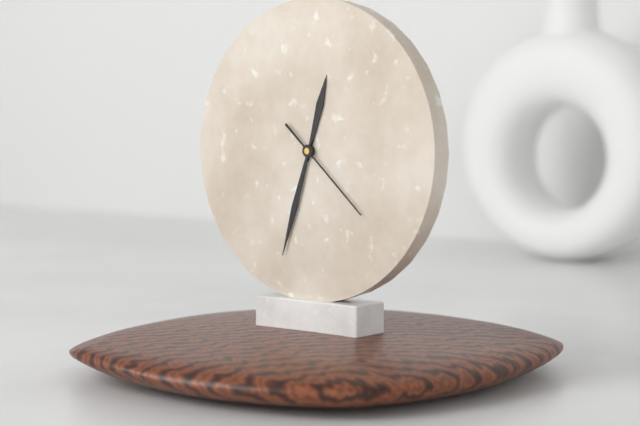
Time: {"hour": 12, "minute": 33, "second": 22}
